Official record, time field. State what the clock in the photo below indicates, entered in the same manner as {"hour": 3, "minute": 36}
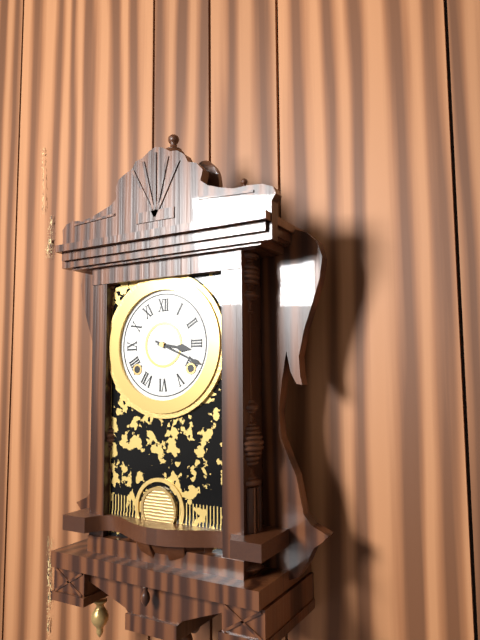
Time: {"hour": 3, "minute": 19}
